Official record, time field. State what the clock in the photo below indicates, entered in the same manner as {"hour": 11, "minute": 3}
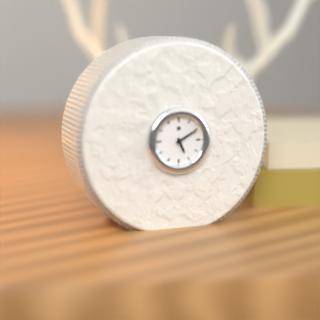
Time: {"hour": 5, "minute": 10}
